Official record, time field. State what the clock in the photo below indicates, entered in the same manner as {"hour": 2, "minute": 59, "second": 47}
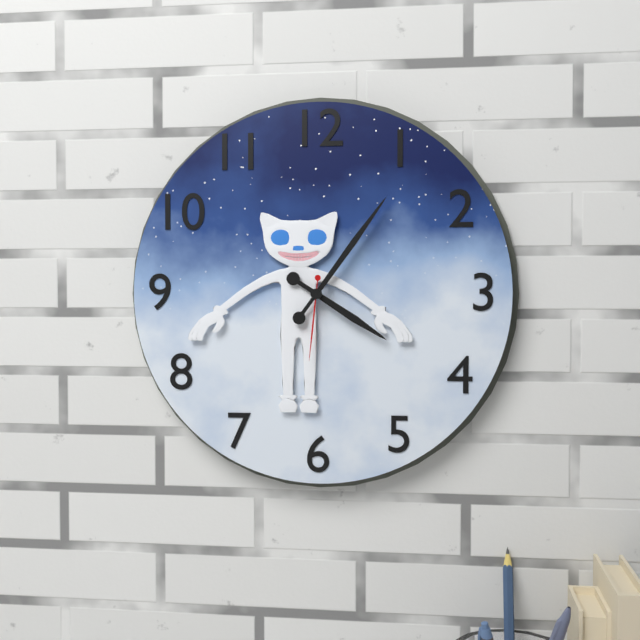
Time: {"hour": 4, "minute": 6, "second": 31}
